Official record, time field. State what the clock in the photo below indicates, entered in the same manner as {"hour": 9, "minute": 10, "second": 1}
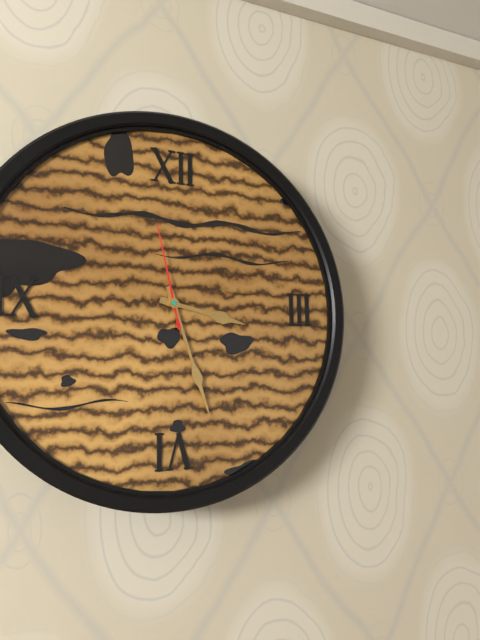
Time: {"hour": 3, "minute": 27, "second": 58}
